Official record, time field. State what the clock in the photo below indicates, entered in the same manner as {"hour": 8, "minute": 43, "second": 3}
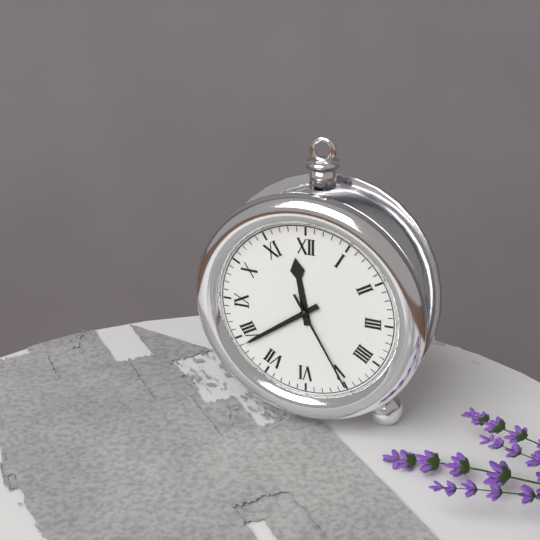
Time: {"hour": 11, "minute": 39, "second": 25}
